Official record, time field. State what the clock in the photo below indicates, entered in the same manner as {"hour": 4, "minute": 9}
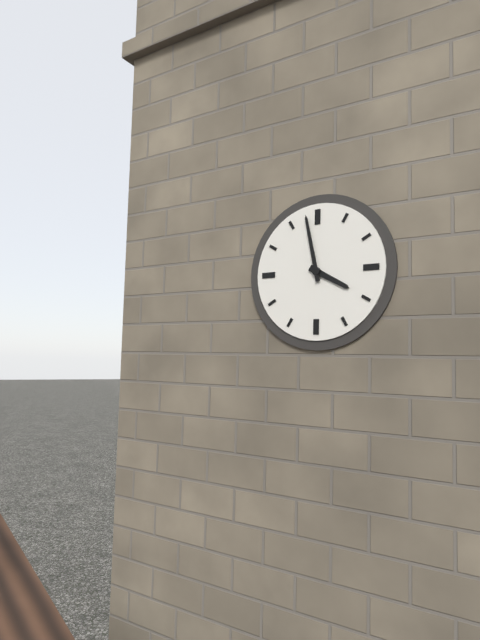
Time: {"hour": 3, "minute": 58}
